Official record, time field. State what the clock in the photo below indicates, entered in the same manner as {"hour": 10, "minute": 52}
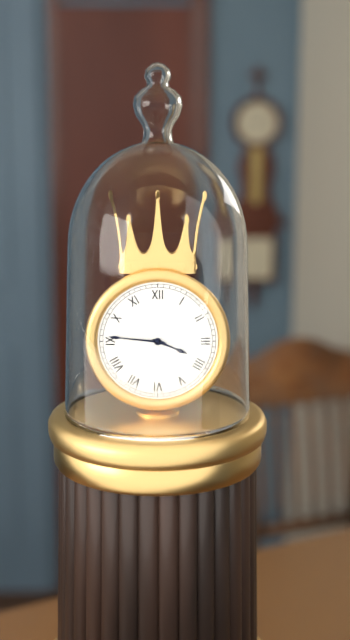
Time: {"hour": 3, "minute": 46}
